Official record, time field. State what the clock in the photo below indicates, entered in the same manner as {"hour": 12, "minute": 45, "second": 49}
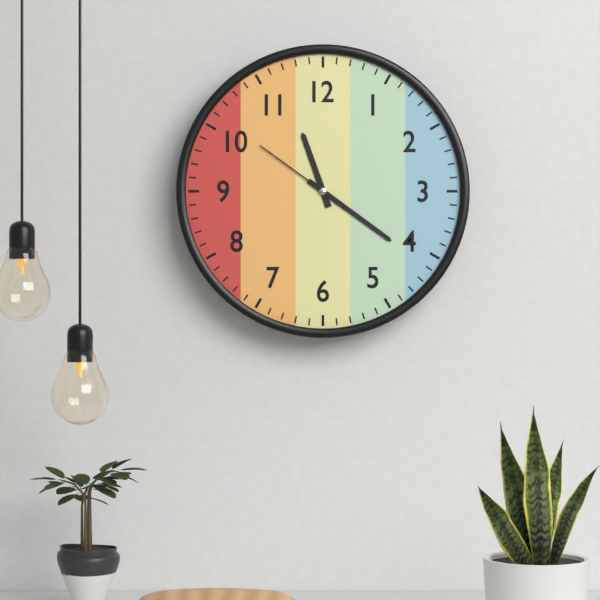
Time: {"hour": 11, "minute": 21, "second": 51}
